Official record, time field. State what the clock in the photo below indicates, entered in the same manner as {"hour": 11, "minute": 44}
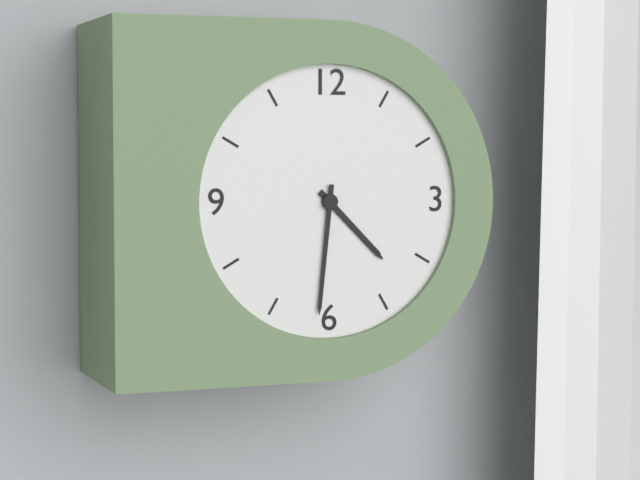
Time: {"hour": 4, "minute": 31}
